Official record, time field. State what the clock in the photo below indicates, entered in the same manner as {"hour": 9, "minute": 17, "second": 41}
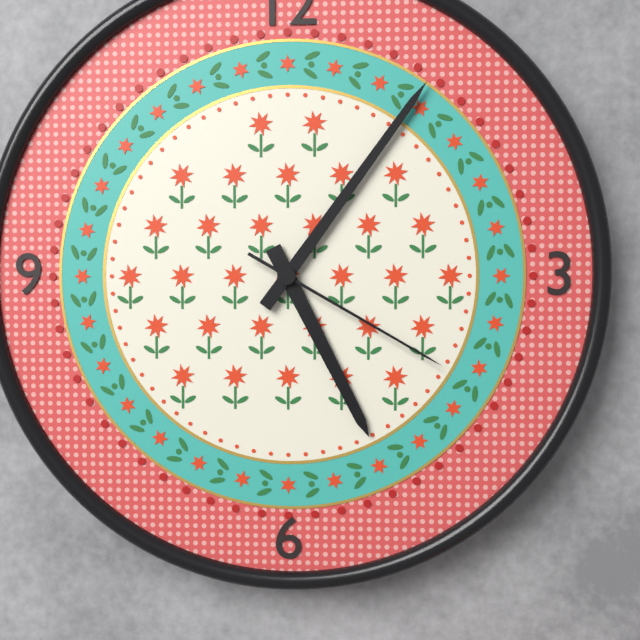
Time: {"hour": 5, "minute": 6, "second": 20}
